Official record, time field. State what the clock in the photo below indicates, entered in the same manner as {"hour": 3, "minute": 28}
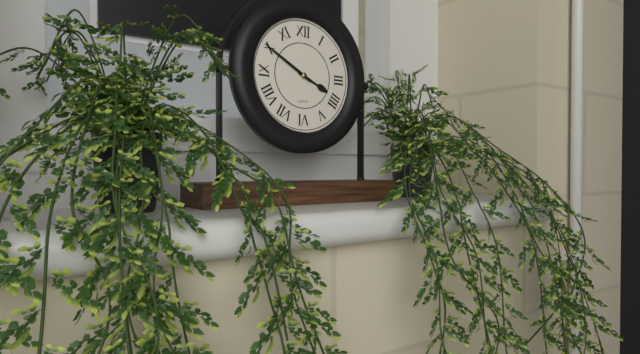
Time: {"hour": 3, "minute": 50}
